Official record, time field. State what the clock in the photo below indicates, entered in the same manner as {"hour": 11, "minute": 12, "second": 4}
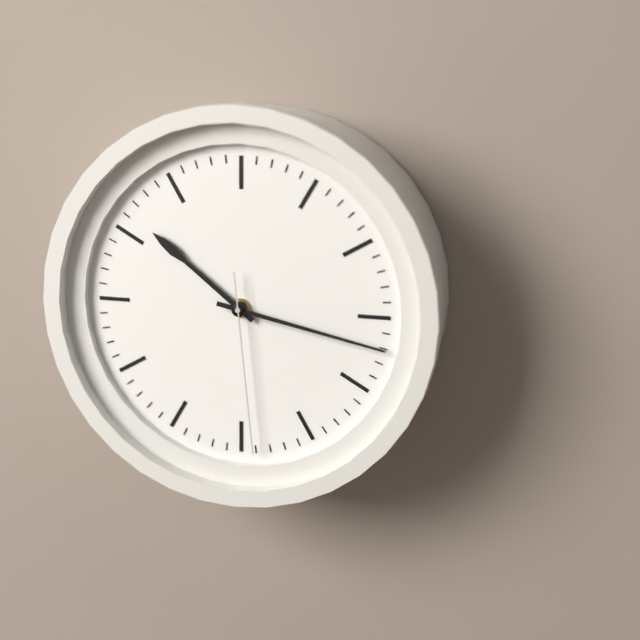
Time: {"hour": 10, "minute": 17, "second": 29}
